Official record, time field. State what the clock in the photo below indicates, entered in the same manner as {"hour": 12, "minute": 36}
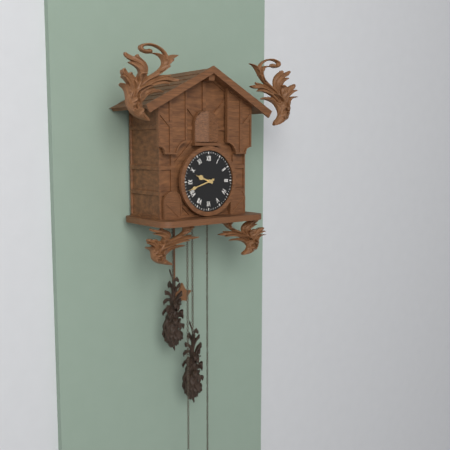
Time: {"hour": 9, "minute": 42}
